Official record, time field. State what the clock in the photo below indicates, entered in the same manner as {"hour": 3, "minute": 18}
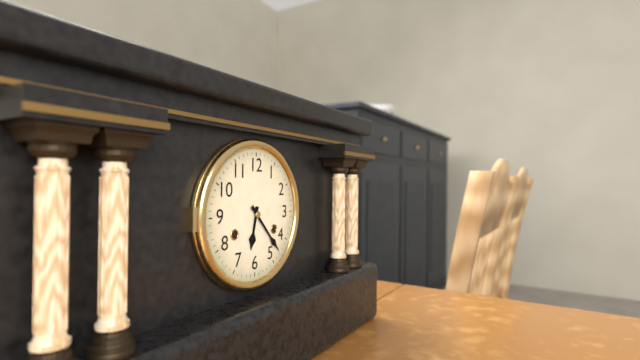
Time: {"hour": 6, "minute": 23}
